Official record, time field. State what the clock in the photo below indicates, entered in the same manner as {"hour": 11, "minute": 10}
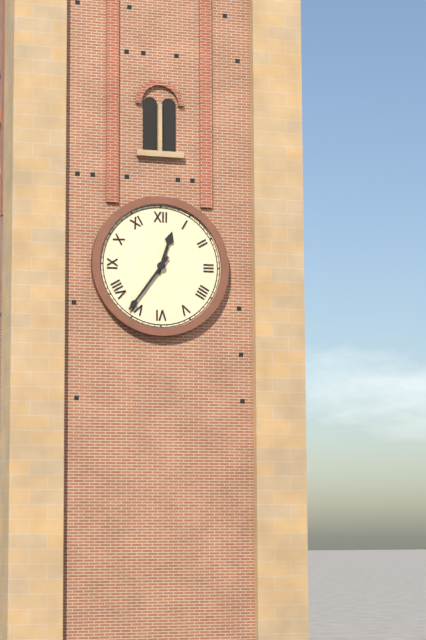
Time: {"hour": 12, "minute": 36}
